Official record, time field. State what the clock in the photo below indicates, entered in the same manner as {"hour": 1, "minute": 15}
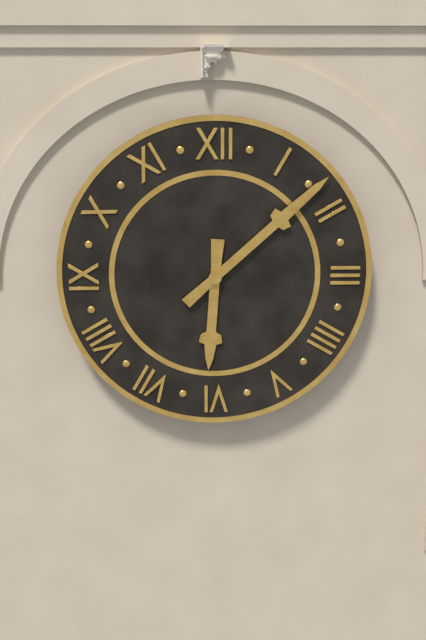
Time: {"hour": 6, "minute": 8}
